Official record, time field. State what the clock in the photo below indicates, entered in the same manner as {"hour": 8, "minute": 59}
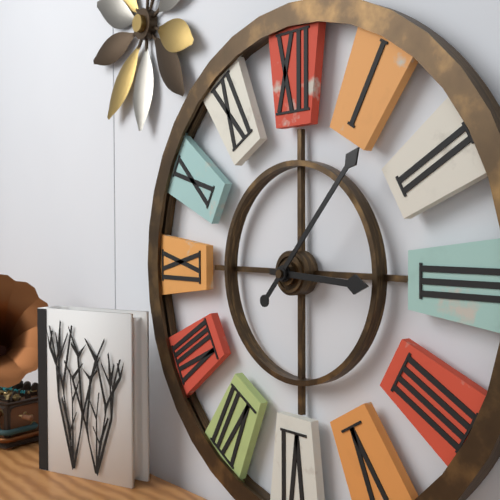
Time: {"hour": 3, "minute": 7}
